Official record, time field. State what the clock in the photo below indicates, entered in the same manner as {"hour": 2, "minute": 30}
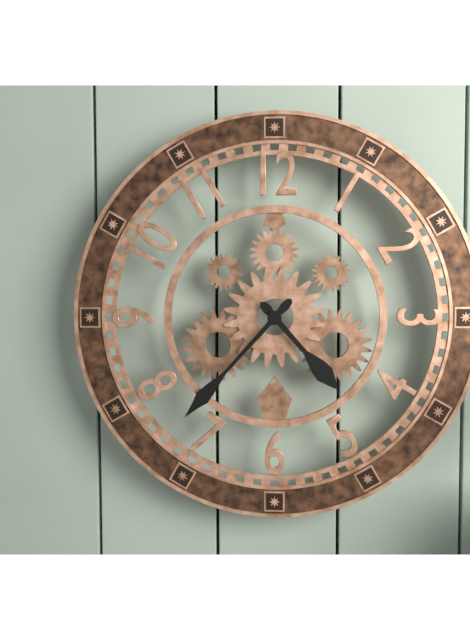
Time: {"hour": 4, "minute": 37}
